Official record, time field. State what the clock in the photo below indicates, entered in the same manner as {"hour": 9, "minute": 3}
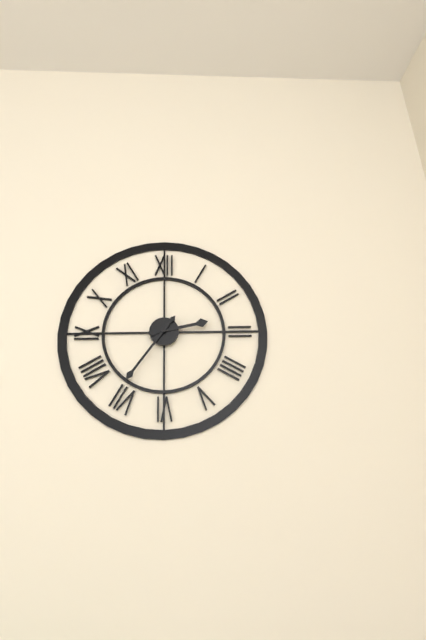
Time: {"hour": 2, "minute": 36}
